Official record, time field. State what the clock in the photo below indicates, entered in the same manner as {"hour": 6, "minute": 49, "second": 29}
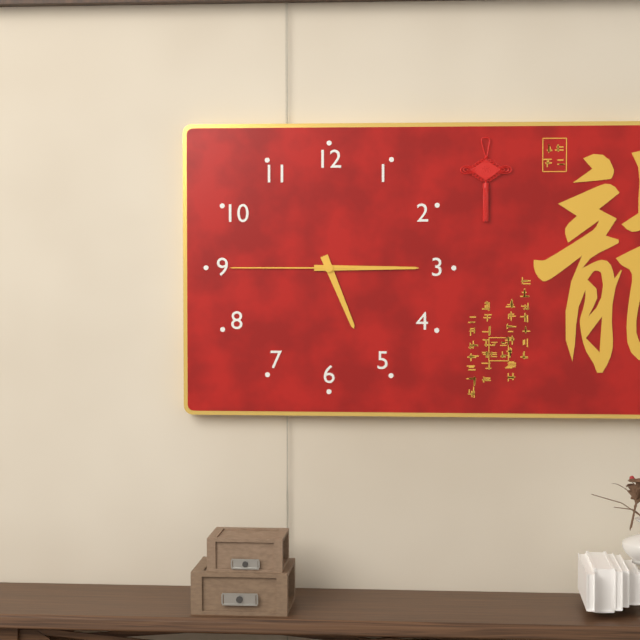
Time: {"hour": 5, "minute": 15, "second": 45}
